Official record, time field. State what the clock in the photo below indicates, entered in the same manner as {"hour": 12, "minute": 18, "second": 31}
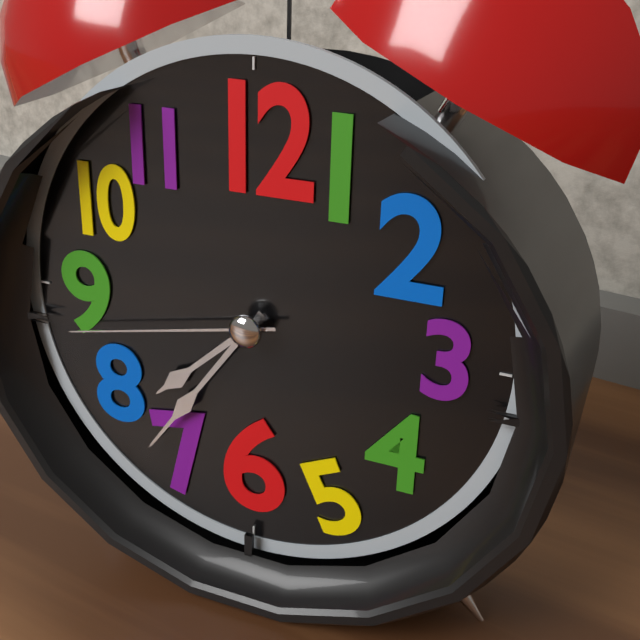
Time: {"hour": 7, "minute": 36, "second": 43}
